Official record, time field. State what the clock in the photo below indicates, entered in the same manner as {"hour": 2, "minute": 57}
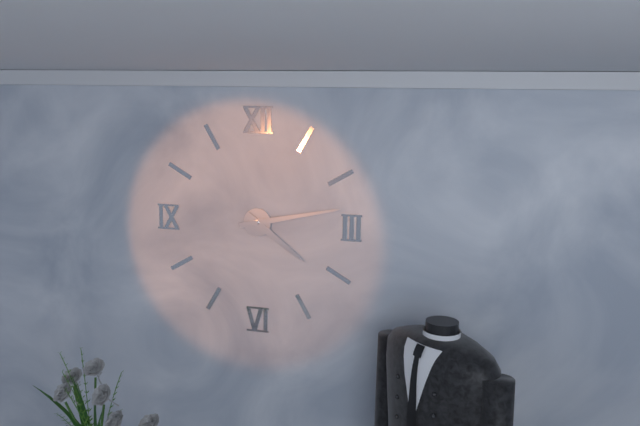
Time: {"hour": 4, "minute": 13}
